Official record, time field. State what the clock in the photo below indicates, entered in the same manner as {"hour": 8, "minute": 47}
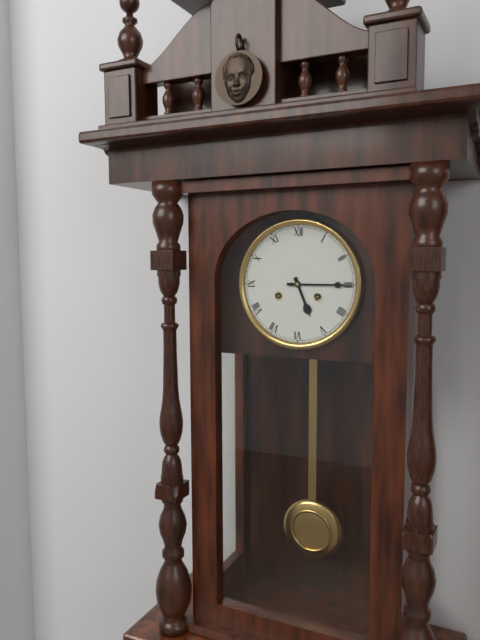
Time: {"hour": 5, "minute": 15}
